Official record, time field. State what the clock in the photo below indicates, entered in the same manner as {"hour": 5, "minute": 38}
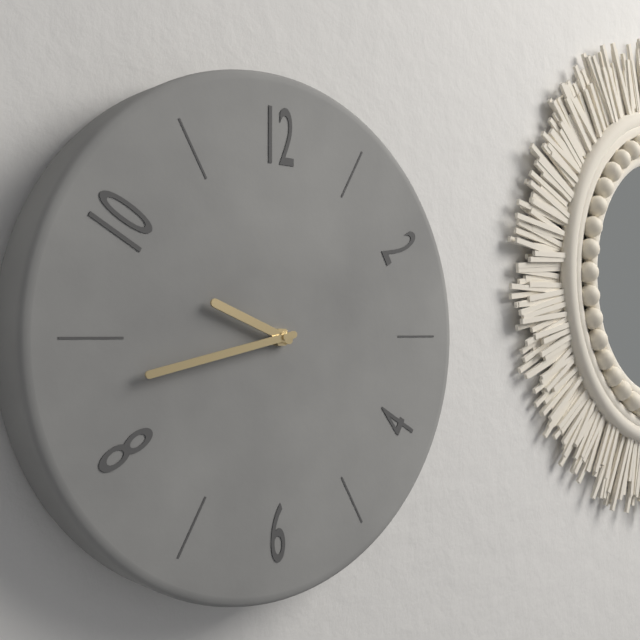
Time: {"hour": 9, "minute": 43}
